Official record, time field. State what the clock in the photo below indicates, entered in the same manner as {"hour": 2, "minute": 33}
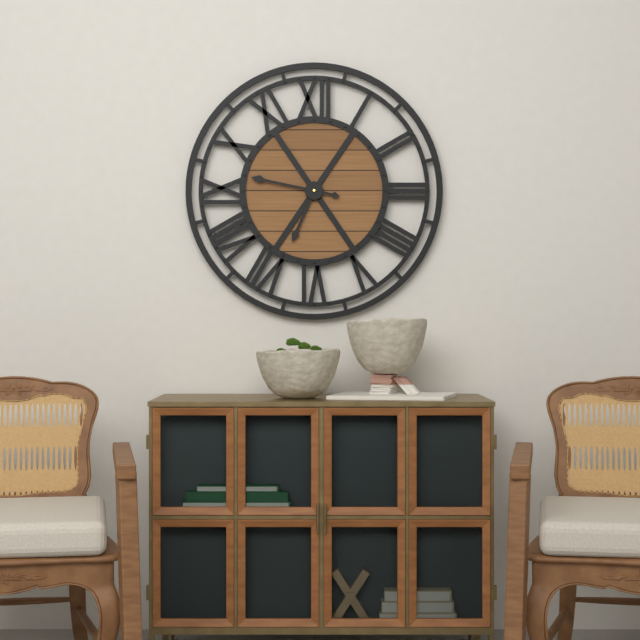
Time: {"hour": 6, "minute": 47}
